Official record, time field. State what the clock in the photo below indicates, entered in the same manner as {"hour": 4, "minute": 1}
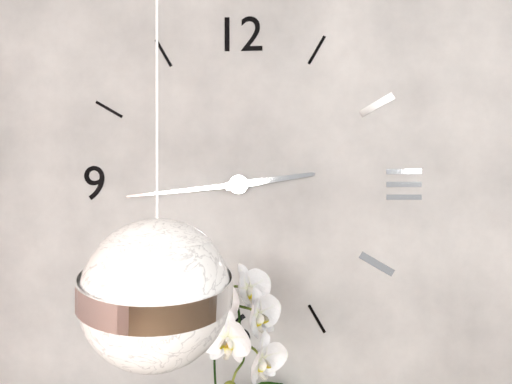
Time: {"hour": 2, "minute": 44}
